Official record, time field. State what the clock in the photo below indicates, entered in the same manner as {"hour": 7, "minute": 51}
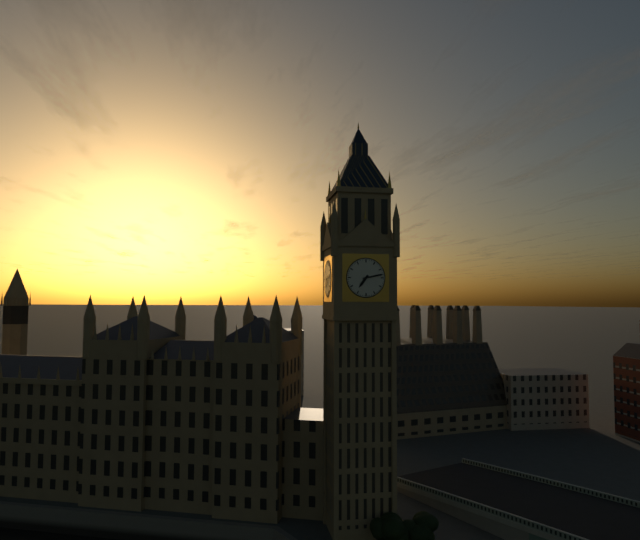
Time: {"hour": 7, "minute": 13}
